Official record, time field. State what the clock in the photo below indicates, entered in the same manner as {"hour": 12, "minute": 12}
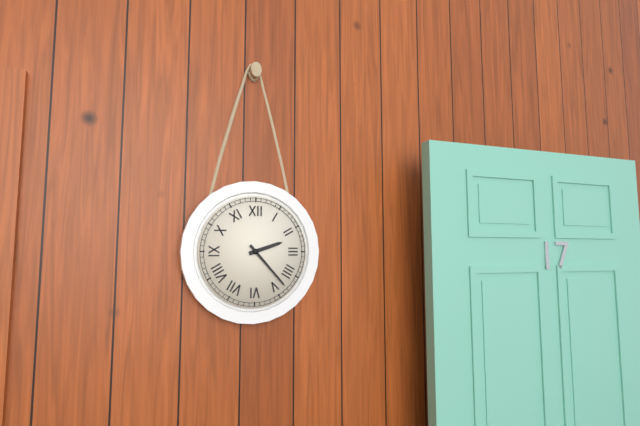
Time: {"hour": 2, "minute": 23}
